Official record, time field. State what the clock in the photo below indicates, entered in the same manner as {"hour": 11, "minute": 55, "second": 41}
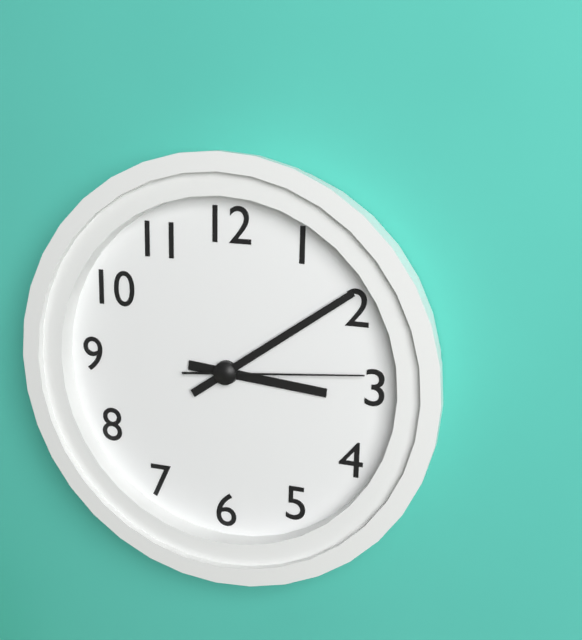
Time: {"hour": 3, "minute": 9, "second": 14}
